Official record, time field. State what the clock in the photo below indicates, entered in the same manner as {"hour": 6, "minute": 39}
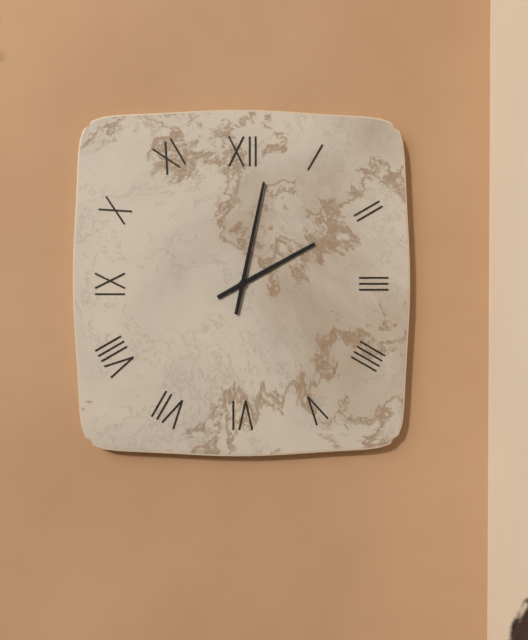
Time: {"hour": 2, "minute": 2}
